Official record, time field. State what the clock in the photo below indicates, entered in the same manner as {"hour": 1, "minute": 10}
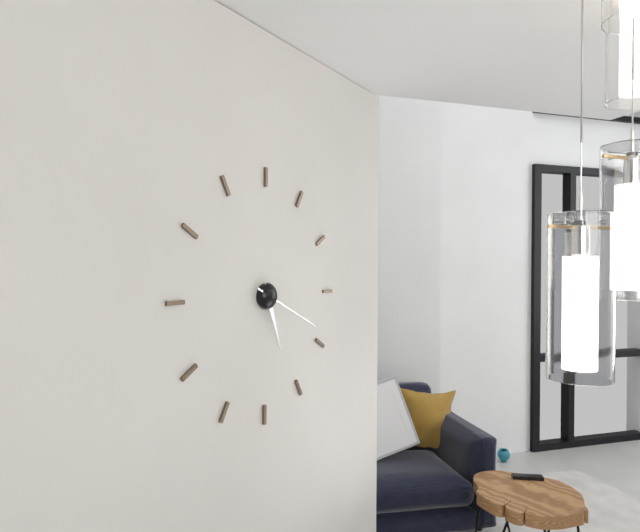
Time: {"hour": 5, "minute": 19}
